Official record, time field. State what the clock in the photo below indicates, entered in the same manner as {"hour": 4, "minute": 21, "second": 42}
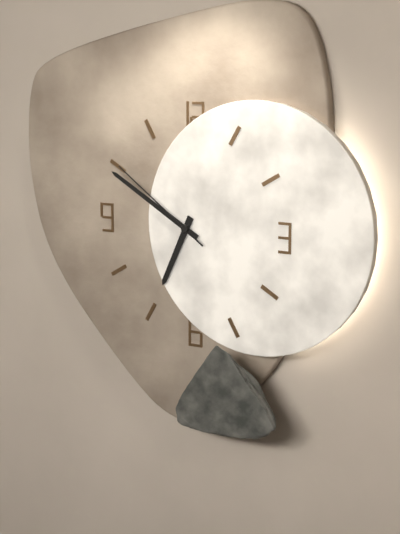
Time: {"hour": 6, "minute": 50, "second": 51}
